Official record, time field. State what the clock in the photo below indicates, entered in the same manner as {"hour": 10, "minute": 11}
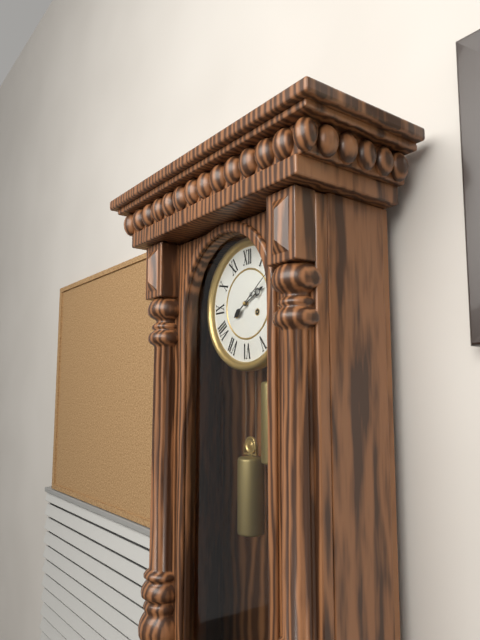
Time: {"hour": 2, "minute": 9}
